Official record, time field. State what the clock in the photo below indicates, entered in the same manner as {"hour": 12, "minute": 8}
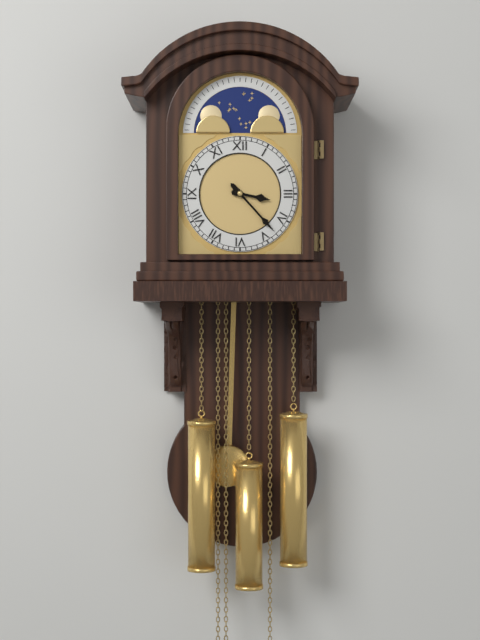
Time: {"hour": 3, "minute": 23}
